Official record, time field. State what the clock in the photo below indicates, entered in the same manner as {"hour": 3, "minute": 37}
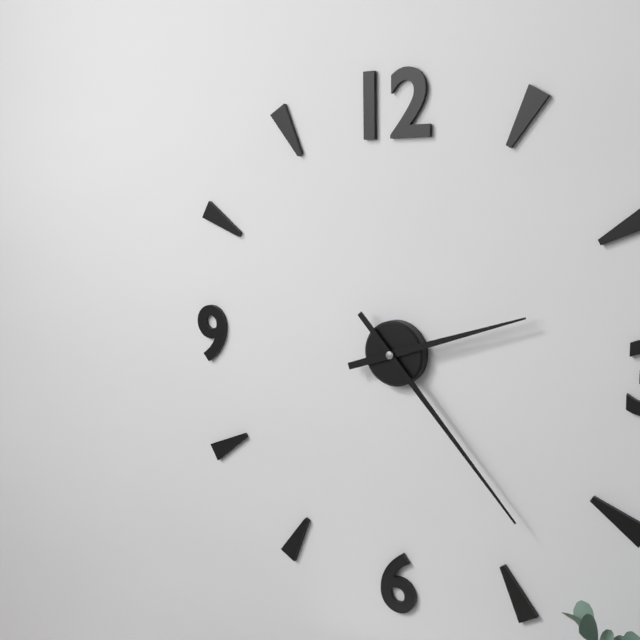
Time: {"hour": 2, "minute": 23}
